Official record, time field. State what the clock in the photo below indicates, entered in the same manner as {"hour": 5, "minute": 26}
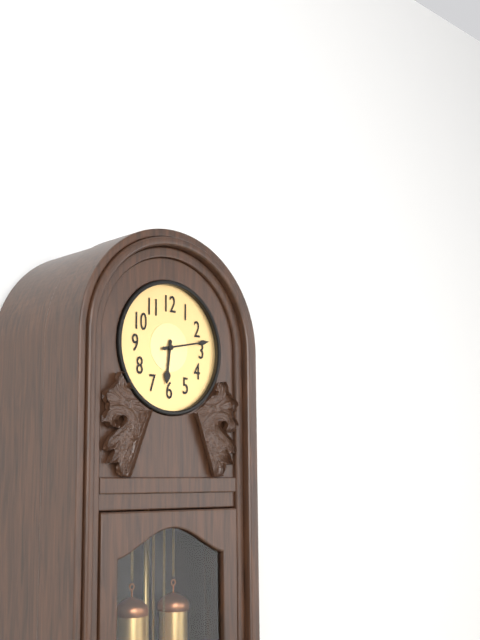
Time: {"hour": 6, "minute": 13}
